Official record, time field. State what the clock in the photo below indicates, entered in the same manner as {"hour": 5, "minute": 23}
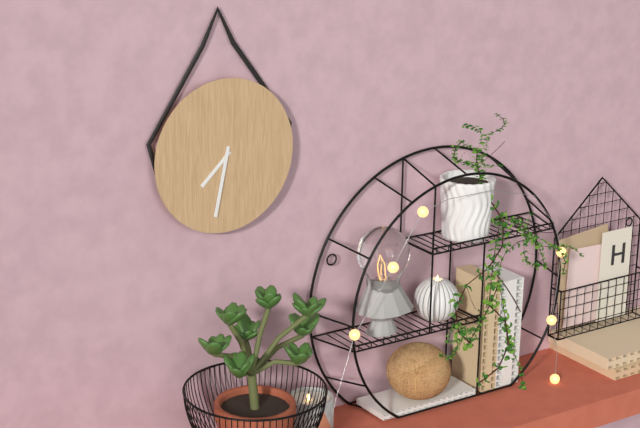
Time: {"hour": 7, "minute": 32}
